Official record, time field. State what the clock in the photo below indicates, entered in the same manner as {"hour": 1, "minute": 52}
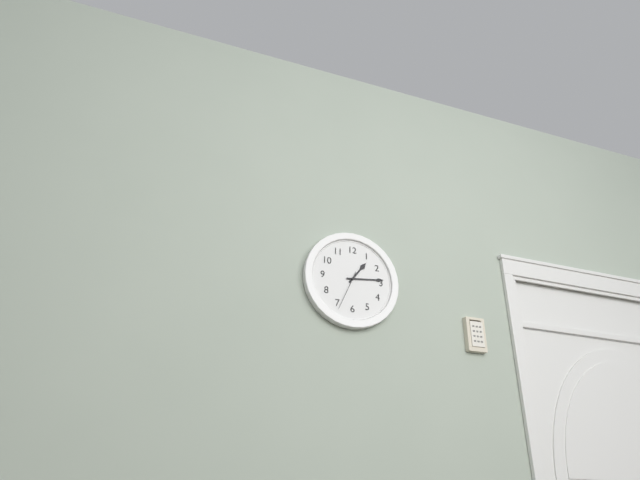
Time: {"hour": 1, "minute": 14}
